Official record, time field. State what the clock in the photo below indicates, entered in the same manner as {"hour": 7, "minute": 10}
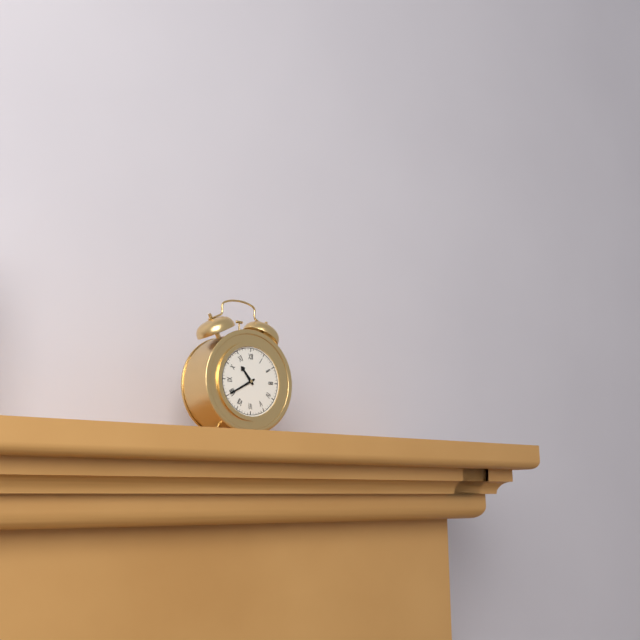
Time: {"hour": 10, "minute": 40}
